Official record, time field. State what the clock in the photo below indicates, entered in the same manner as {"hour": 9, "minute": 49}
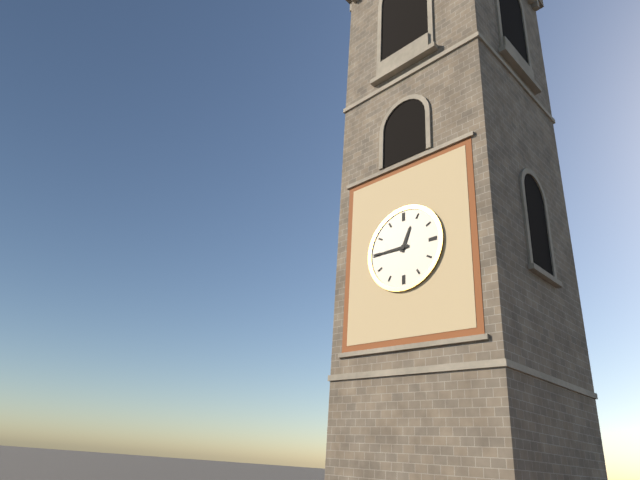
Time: {"hour": 12, "minute": 45}
